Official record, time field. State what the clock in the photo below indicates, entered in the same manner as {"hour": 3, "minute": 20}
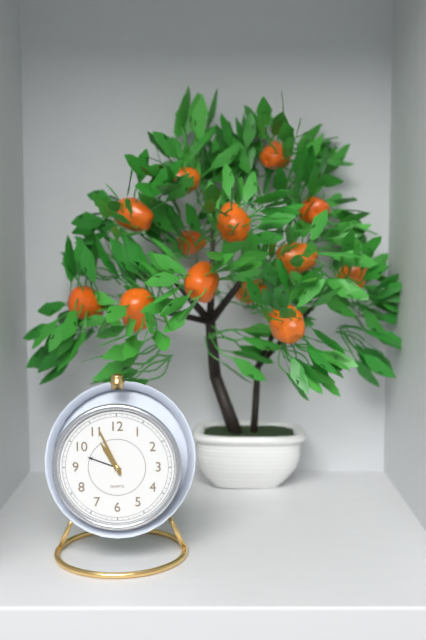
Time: {"hour": 10, "minute": 56}
